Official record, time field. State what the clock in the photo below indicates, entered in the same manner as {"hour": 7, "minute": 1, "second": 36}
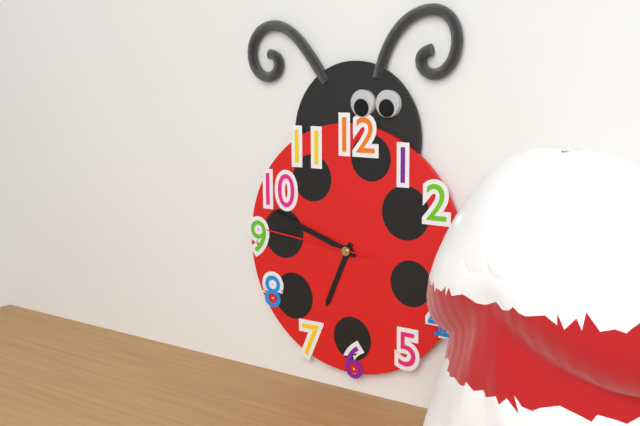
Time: {"hour": 6, "minute": 48, "second": 46}
